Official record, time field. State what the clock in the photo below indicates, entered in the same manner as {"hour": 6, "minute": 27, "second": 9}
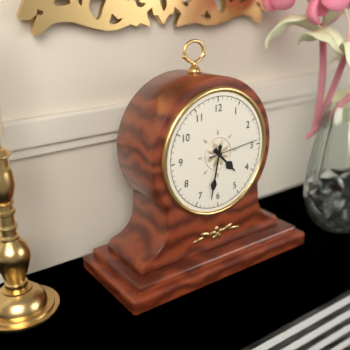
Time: {"hour": 4, "minute": 32, "second": 14}
